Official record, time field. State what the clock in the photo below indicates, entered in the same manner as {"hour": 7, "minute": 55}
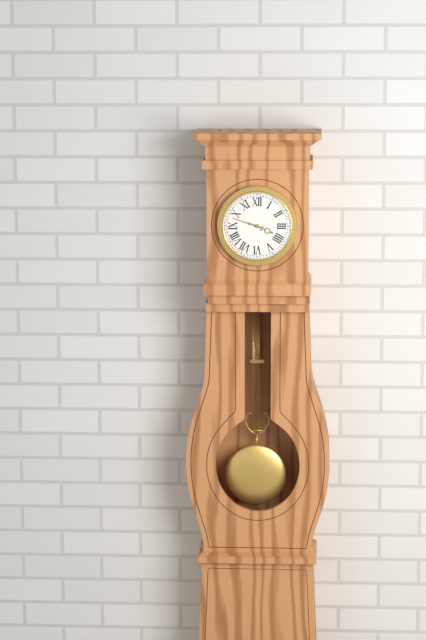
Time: {"hour": 3, "minute": 48}
